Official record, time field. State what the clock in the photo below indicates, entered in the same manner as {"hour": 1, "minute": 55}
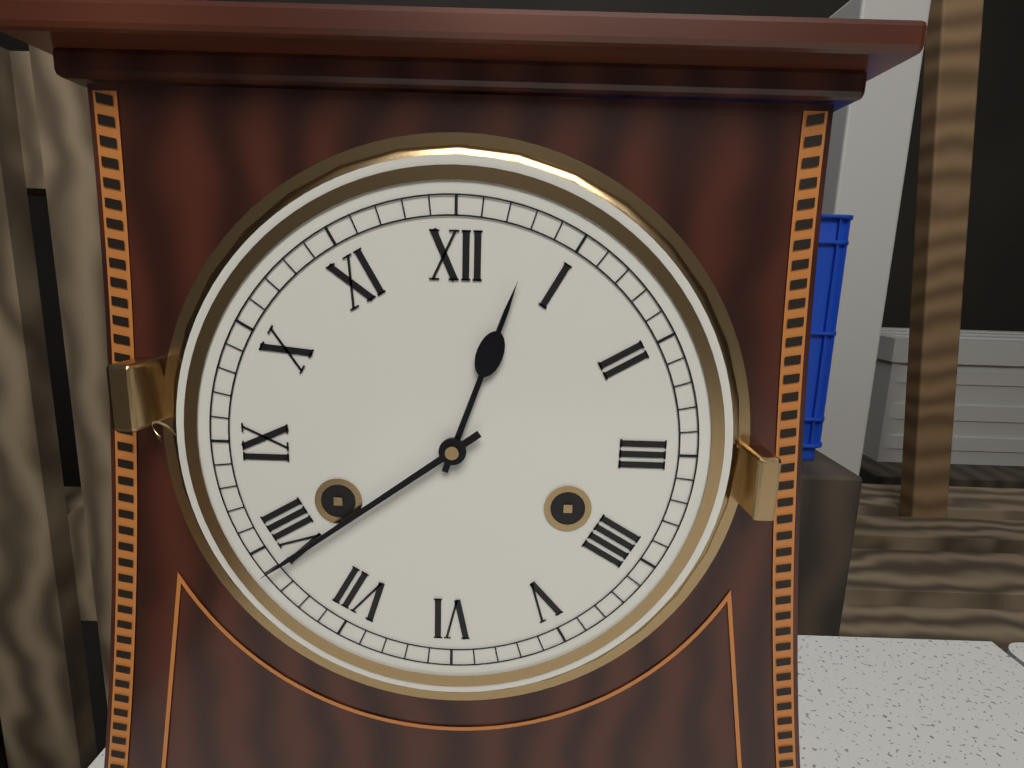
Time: {"hour": 12, "minute": 39}
